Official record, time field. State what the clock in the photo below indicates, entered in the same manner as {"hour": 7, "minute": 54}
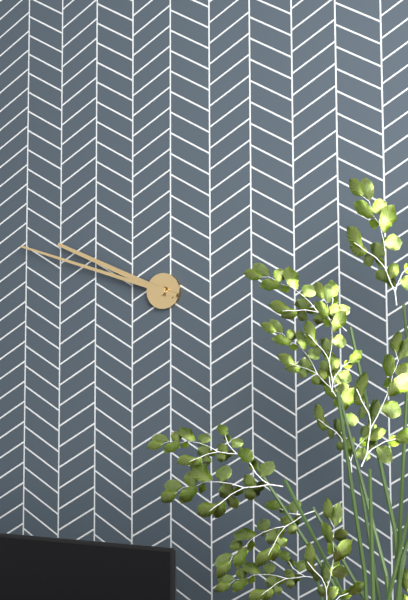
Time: {"hour": 9, "minute": 48}
